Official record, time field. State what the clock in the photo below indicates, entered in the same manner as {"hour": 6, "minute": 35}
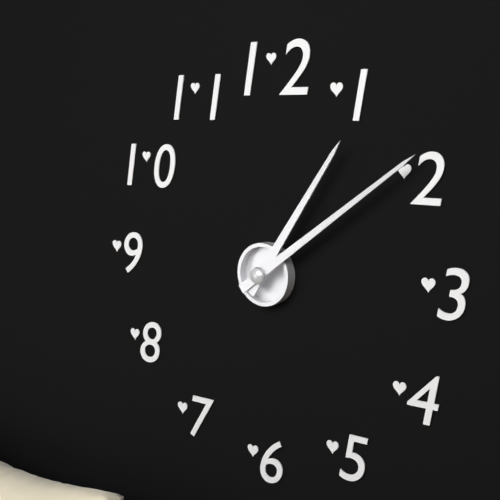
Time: {"hour": 1, "minute": 9}
